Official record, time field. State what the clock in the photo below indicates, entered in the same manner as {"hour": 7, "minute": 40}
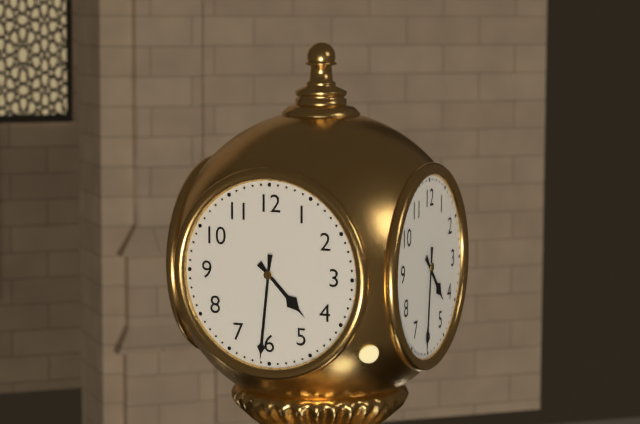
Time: {"hour": 4, "minute": 31}
